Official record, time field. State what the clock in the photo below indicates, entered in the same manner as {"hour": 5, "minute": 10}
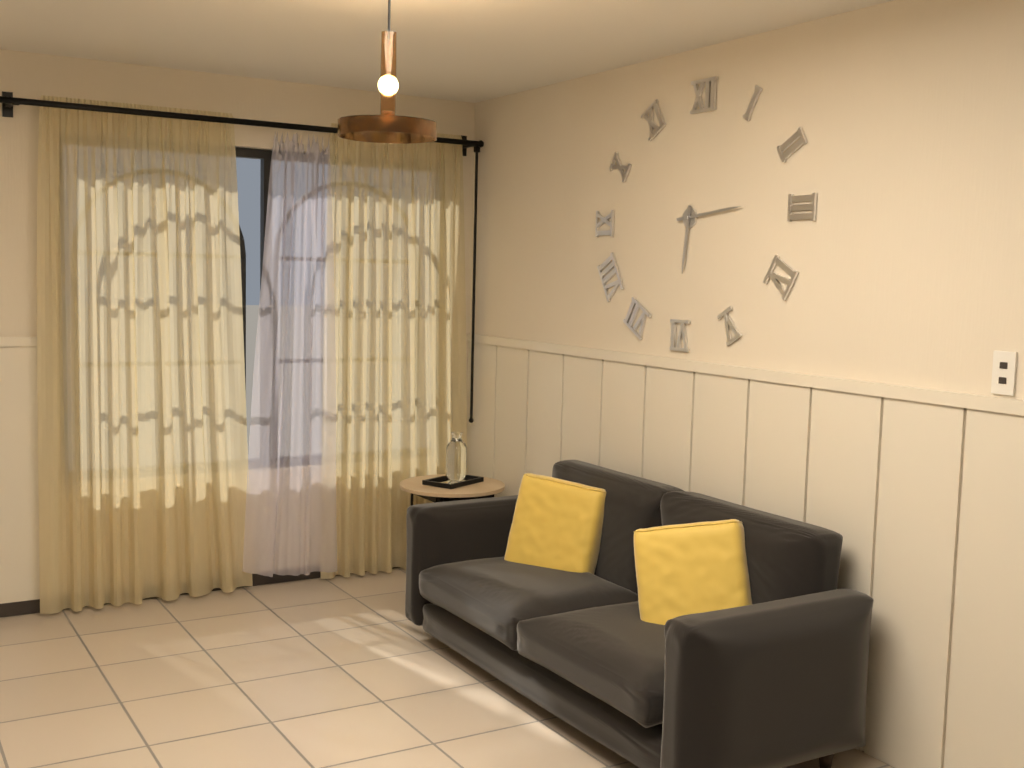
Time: {"hour": 6, "minute": 14}
